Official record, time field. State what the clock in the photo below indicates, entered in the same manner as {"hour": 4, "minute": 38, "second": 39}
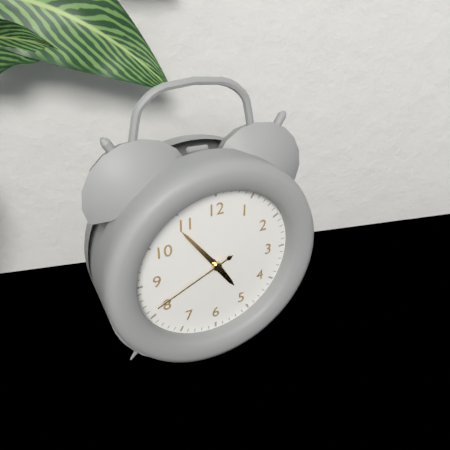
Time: {"hour": 4, "minute": 54, "second": 41}
